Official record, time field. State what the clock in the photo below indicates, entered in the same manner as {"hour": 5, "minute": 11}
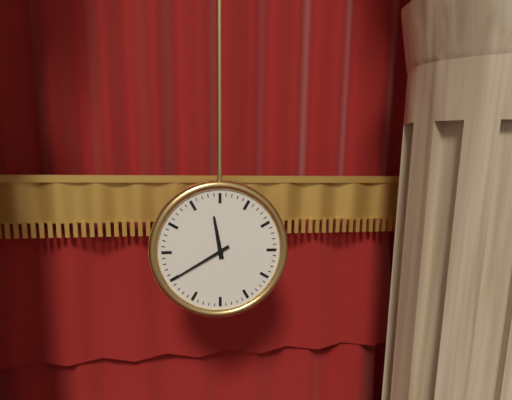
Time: {"hour": 11, "minute": 40}
